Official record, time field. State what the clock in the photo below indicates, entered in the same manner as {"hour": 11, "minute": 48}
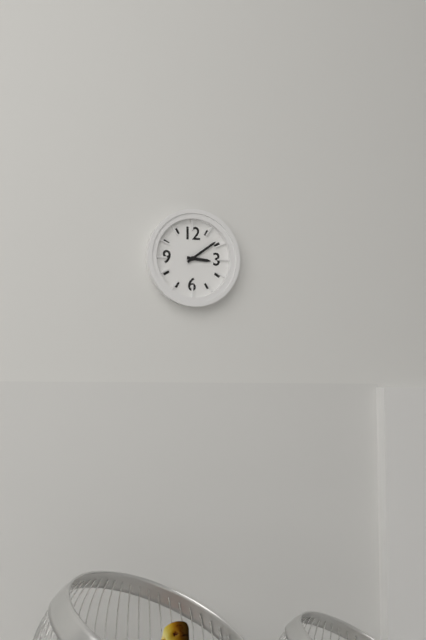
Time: {"hour": 3, "minute": 9}
